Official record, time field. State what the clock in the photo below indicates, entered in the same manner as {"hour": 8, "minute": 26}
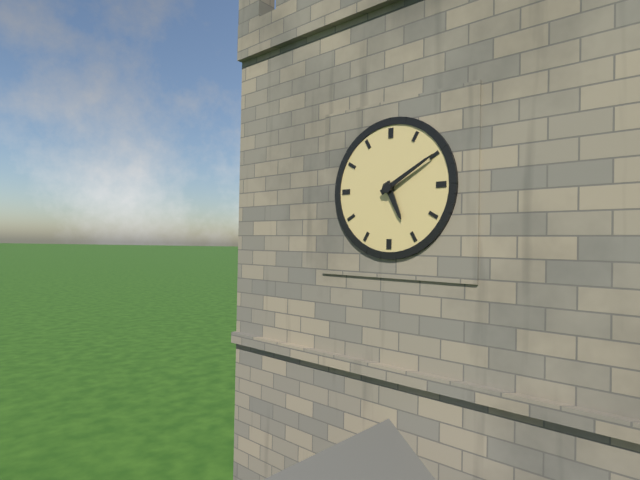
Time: {"hour": 5, "minute": 10}
